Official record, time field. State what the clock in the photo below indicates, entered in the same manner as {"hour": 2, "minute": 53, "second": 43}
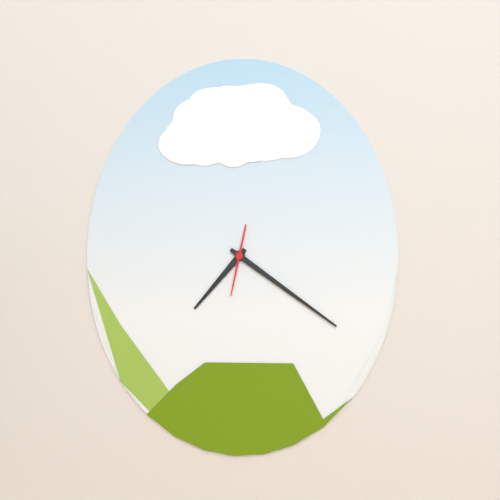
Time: {"hour": 7, "minute": 21, "second": 32}
